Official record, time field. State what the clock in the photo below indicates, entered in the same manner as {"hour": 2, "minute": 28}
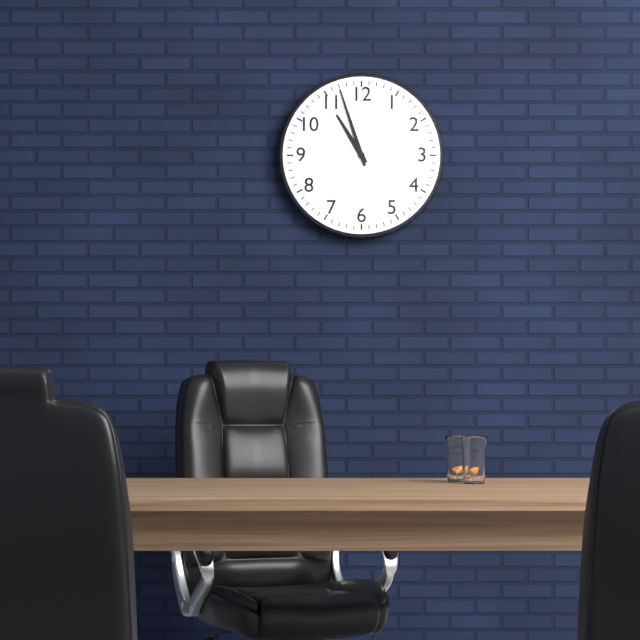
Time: {"hour": 10, "minute": 57}
